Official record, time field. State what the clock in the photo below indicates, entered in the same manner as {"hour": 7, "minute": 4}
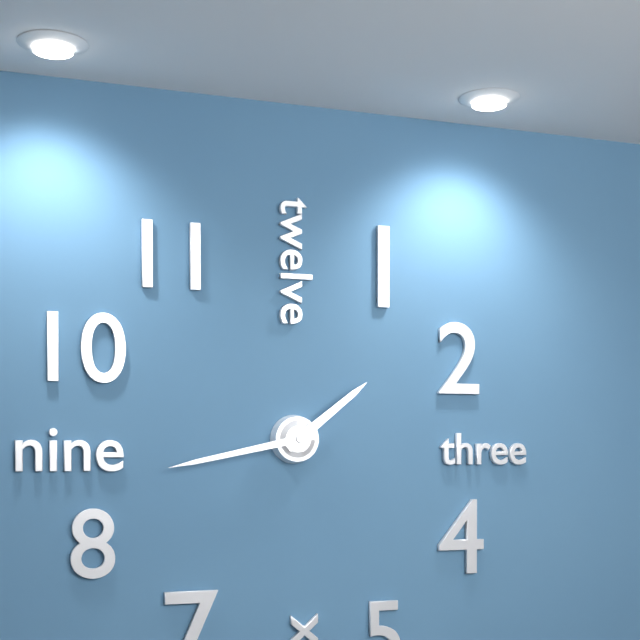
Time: {"hour": 1, "minute": 43}
